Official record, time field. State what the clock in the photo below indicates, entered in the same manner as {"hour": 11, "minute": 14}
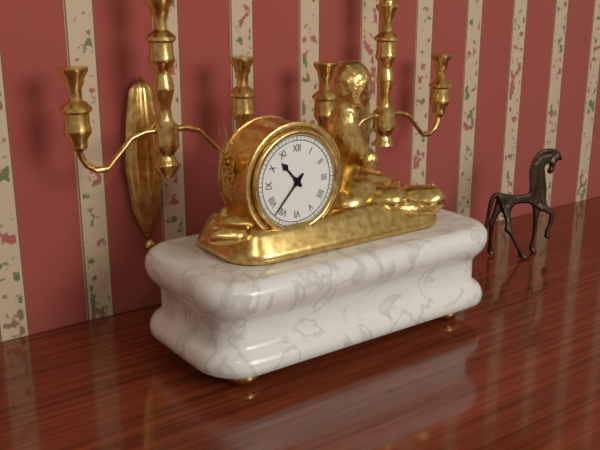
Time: {"hour": 10, "minute": 37}
